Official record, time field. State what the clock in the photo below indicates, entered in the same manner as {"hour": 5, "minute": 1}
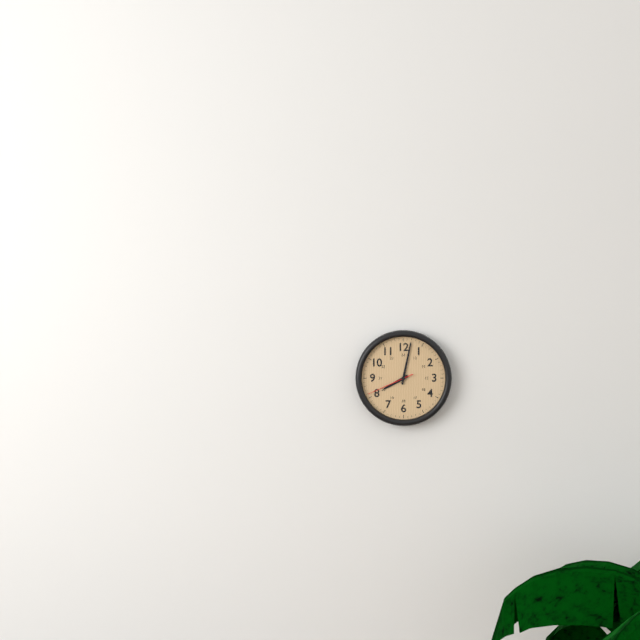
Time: {"hour": 8, "minute": 2}
